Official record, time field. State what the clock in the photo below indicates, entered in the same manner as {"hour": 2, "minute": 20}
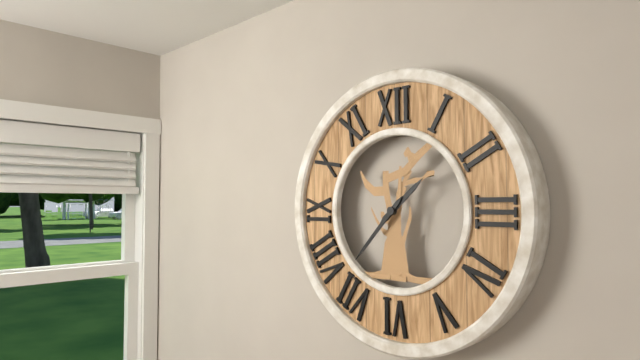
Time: {"hour": 1, "minute": 37}
